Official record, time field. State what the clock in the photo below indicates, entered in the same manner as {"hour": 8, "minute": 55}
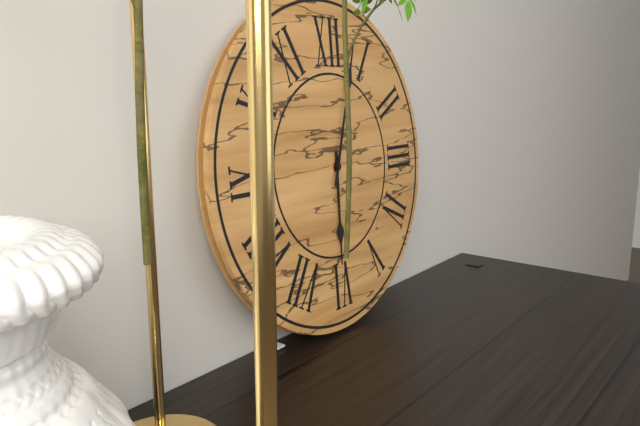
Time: {"hour": 6, "minute": 3}
